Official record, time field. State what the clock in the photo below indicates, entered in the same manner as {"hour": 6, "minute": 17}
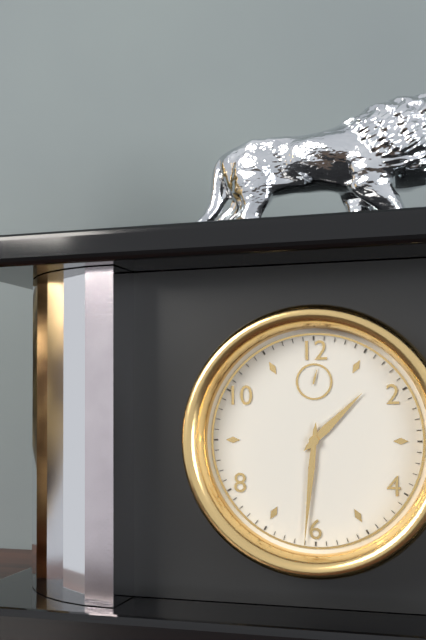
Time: {"hour": 1, "minute": 31}
